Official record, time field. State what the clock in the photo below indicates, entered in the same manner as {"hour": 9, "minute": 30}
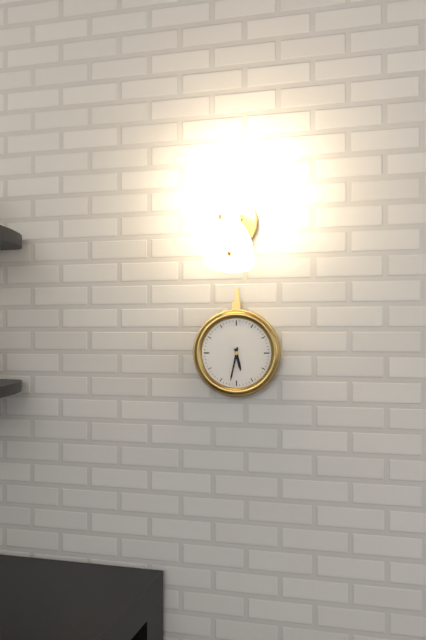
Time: {"hour": 5, "minute": 32}
